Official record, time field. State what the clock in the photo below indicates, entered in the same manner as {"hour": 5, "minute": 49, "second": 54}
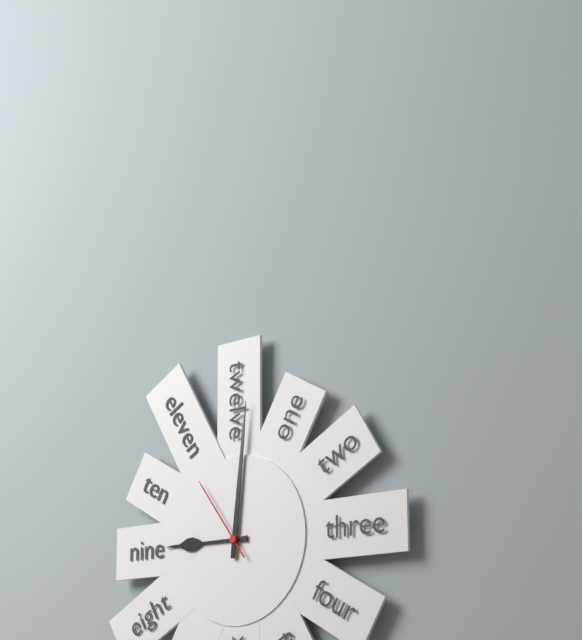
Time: {"hour": 9, "minute": 1, "second": 54}
